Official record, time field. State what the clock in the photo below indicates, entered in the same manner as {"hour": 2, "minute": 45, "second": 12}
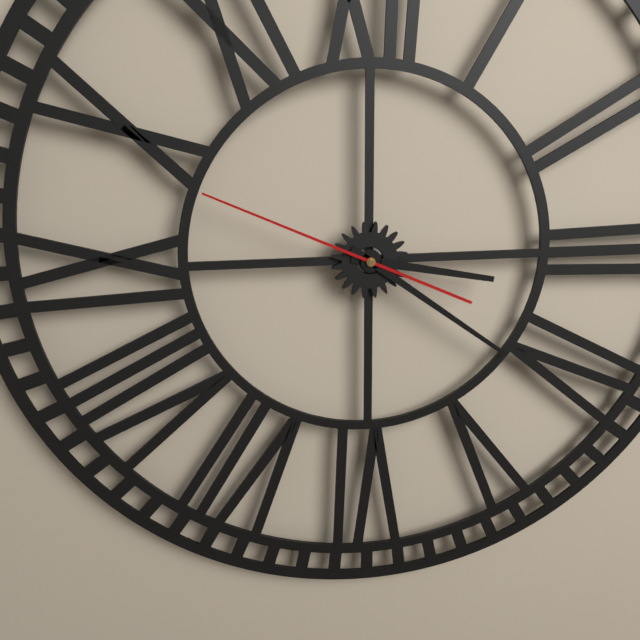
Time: {"hour": 3, "minute": 21, "second": 49}
